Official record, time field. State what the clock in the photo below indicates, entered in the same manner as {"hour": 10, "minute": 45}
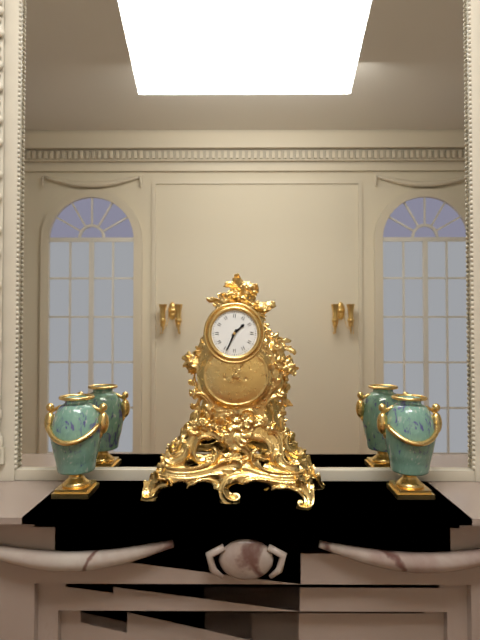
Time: {"hour": 1, "minute": 34}
